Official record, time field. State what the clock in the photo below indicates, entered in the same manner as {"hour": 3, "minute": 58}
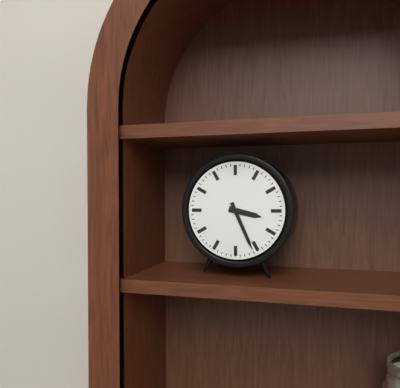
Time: {"hour": 3, "minute": 26}
